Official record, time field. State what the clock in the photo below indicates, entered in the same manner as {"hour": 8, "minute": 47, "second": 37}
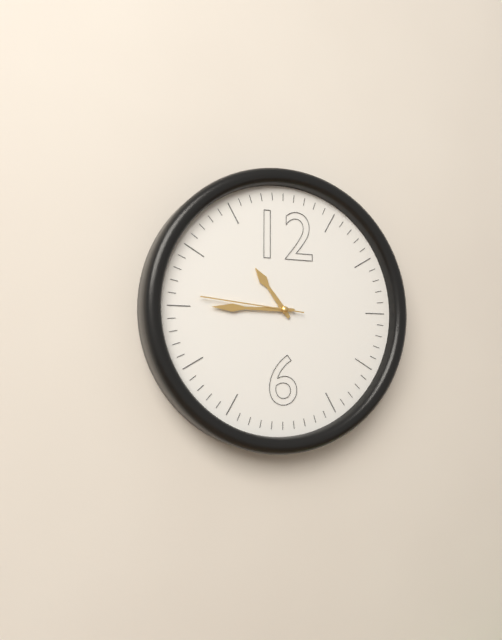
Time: {"hour": 10, "minute": 45, "second": 46}
